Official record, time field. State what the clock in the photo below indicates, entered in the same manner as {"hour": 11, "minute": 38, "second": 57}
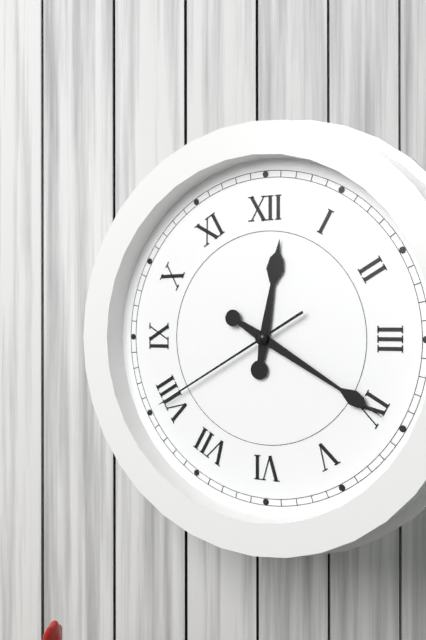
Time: {"hour": 12, "minute": 20, "second": 40}
